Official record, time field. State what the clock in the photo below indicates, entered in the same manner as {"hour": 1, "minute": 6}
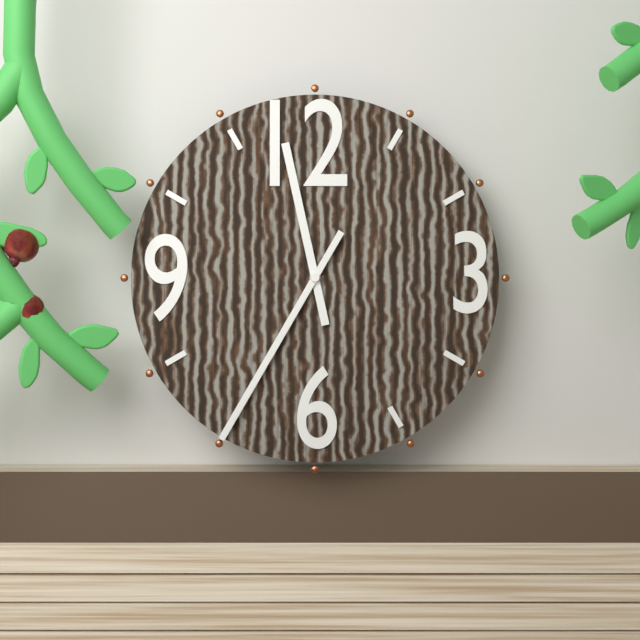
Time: {"hour": 11, "minute": 35}
